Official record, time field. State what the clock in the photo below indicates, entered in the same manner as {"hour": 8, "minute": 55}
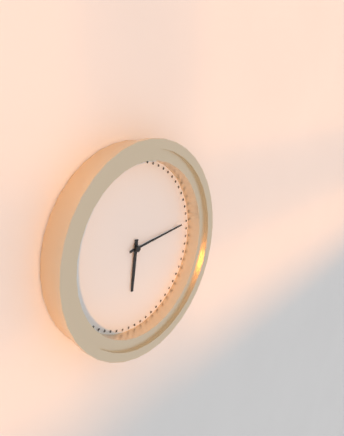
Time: {"hour": 6, "minute": 14}
